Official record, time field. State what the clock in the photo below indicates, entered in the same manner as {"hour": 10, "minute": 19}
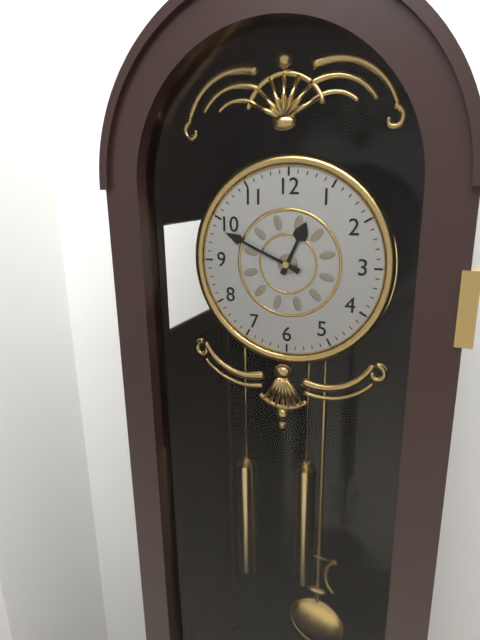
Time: {"hour": 12, "minute": 49}
